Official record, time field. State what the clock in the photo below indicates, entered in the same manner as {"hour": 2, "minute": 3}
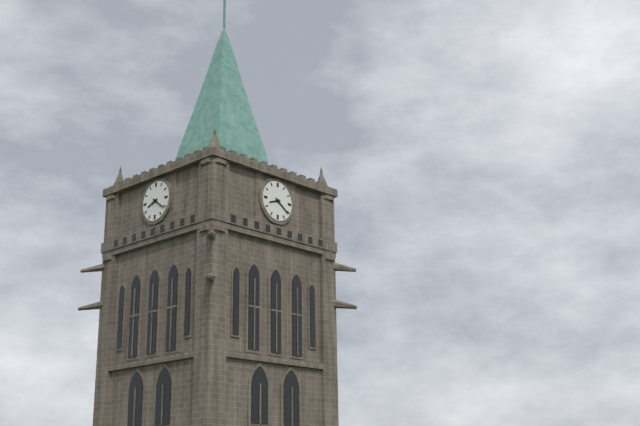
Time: {"hour": 8, "minute": 21}
